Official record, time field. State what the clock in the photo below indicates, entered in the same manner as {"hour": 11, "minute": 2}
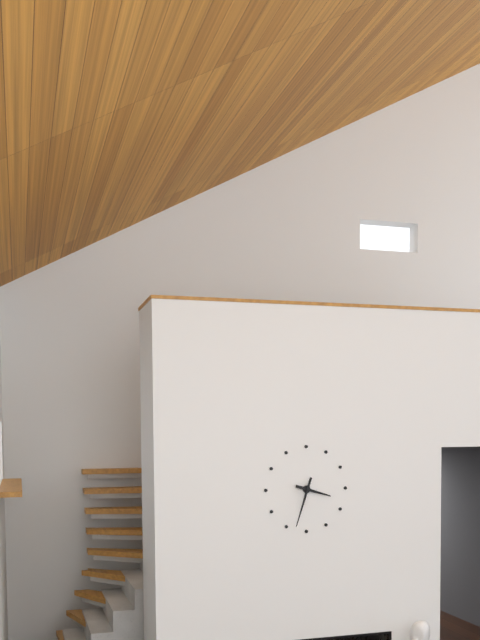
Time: {"hour": 3, "minute": 33}
